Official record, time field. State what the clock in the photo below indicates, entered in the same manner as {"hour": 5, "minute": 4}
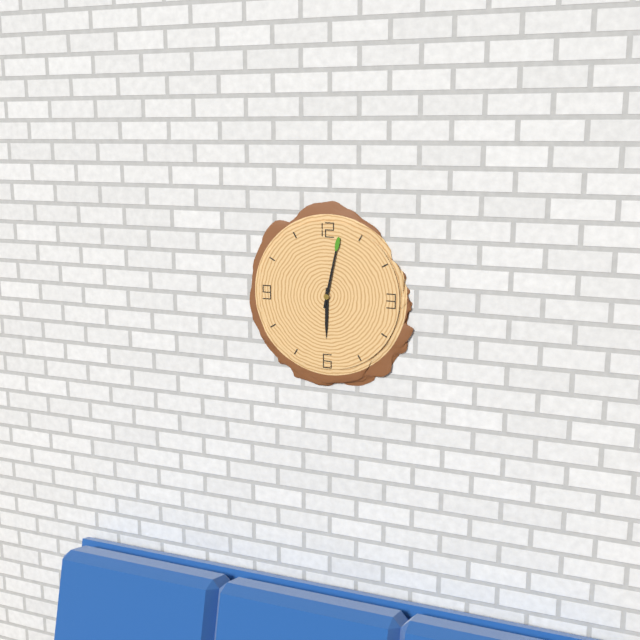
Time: {"hour": 6, "minute": 2}
